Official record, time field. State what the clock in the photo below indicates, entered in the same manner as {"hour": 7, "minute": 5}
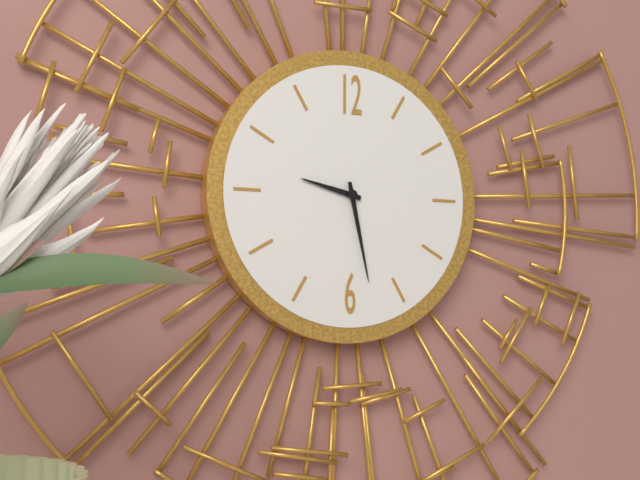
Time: {"hour": 9, "minute": 28}
